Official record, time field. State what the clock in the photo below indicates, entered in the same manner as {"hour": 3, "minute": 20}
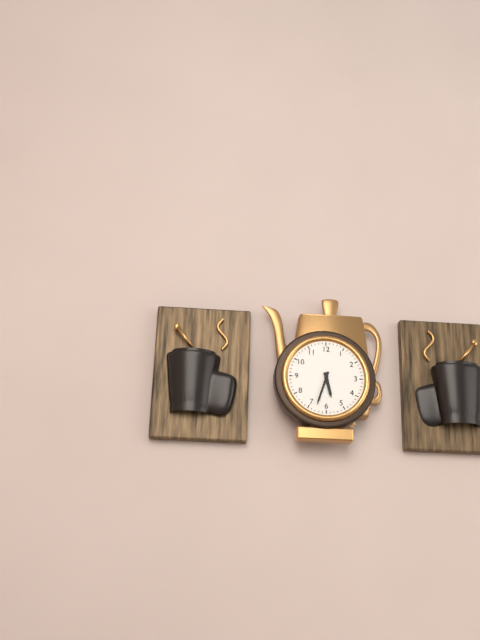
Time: {"hour": 5, "minute": 33}
